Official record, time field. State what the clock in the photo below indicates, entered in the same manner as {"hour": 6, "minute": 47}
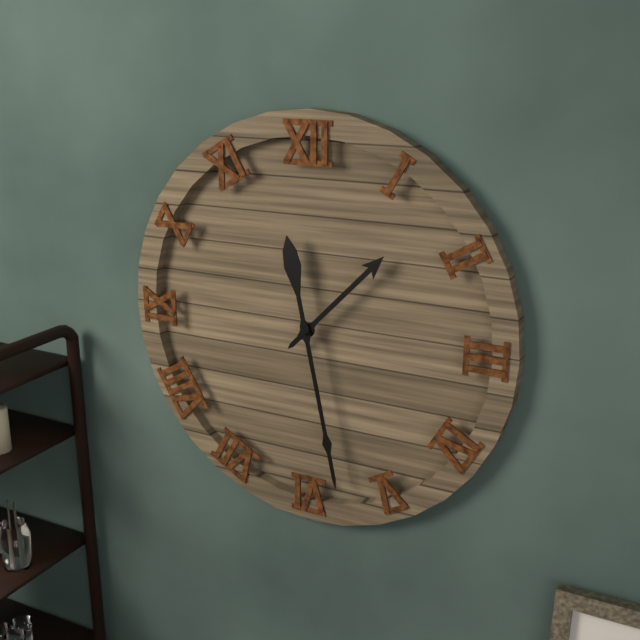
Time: {"hour": 1, "minute": 28}
